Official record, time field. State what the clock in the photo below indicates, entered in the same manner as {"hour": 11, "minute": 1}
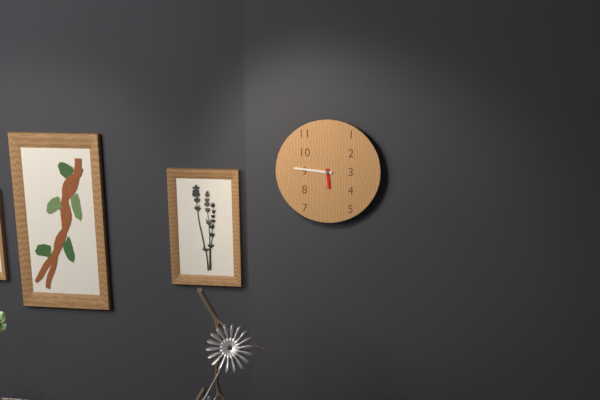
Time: {"hour": 5, "minute": 46}
